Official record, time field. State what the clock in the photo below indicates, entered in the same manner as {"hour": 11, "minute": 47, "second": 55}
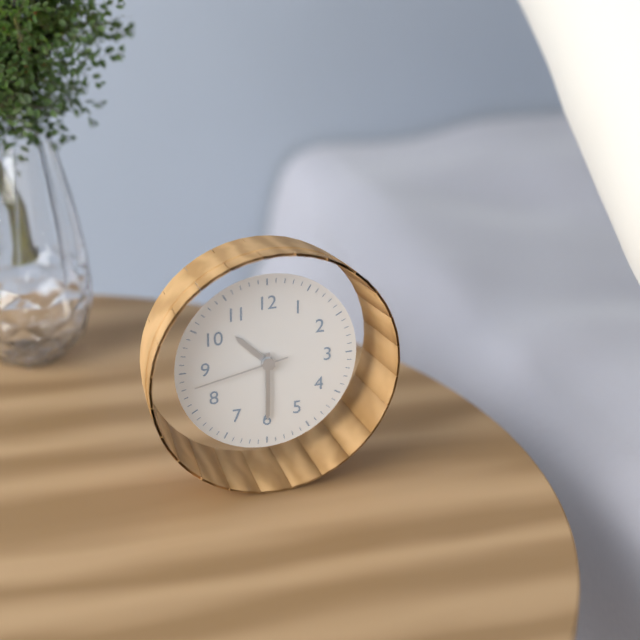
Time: {"hour": 10, "minute": 30, "second": 43}
